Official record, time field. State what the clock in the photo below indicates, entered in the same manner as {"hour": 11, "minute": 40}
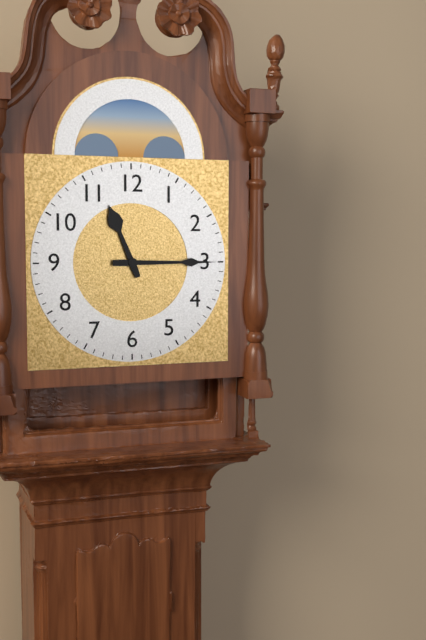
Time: {"hour": 11, "minute": 15}
